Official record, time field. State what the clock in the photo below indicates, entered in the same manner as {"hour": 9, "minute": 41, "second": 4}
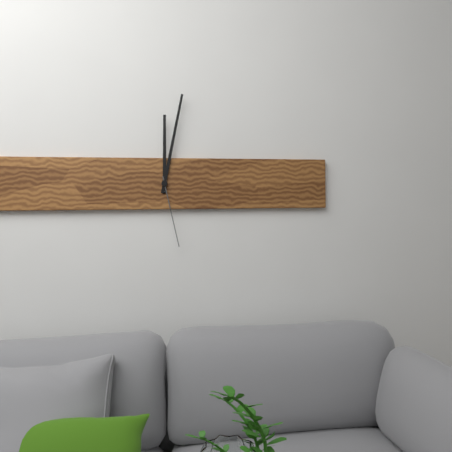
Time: {"hour": 12, "minute": 2, "second": 28}
